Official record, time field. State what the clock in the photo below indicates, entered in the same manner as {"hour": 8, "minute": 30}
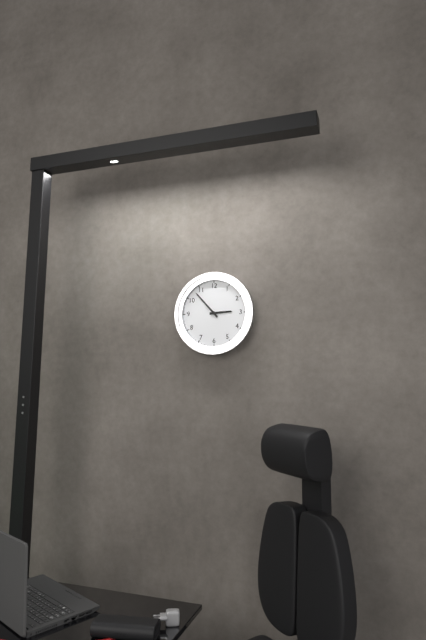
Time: {"hour": 2, "minute": 53}
